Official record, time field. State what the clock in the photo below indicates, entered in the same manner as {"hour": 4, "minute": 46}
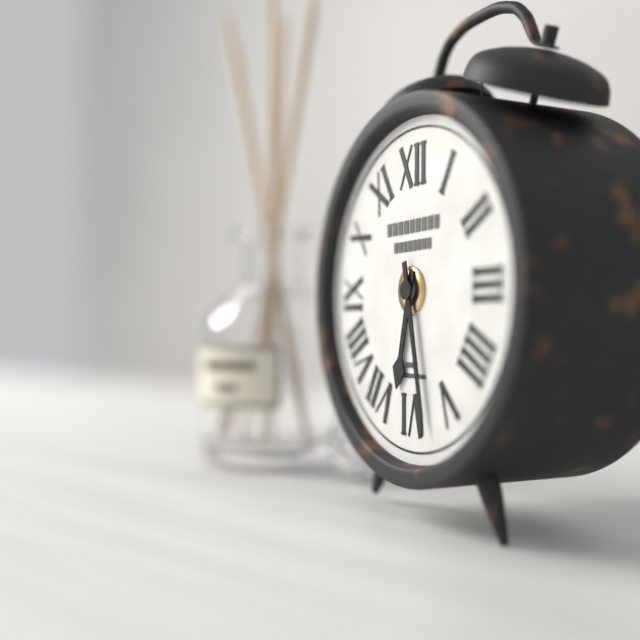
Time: {"hour": 6, "minute": 28}
